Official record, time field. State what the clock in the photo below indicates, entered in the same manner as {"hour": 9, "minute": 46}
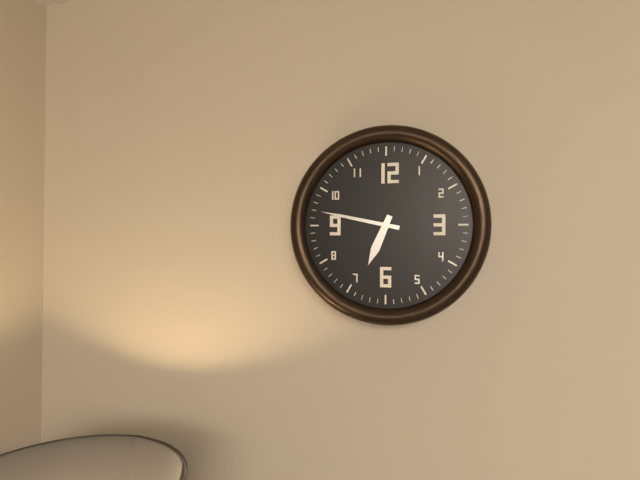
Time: {"hour": 6, "minute": 47}
